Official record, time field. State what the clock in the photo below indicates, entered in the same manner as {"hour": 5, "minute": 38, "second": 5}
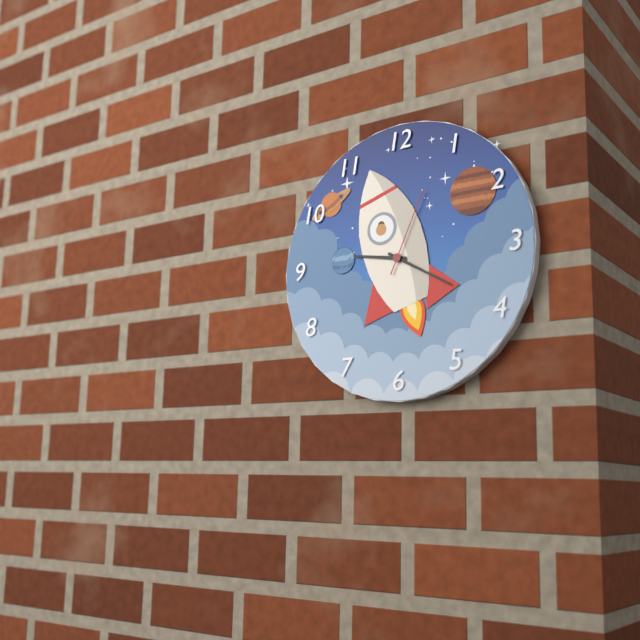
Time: {"hour": 9, "minute": 20, "second": 4}
